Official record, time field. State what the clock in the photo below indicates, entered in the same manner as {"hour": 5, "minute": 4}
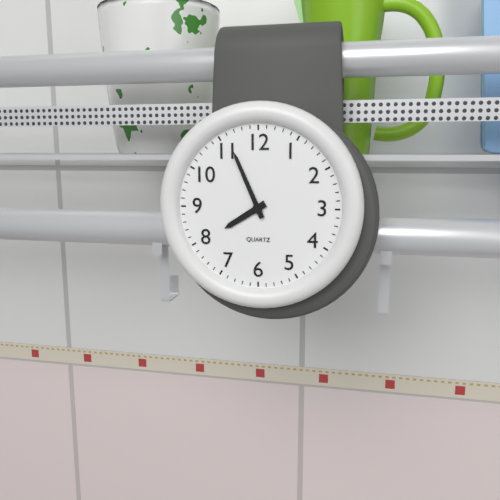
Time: {"hour": 7, "minute": 56}
